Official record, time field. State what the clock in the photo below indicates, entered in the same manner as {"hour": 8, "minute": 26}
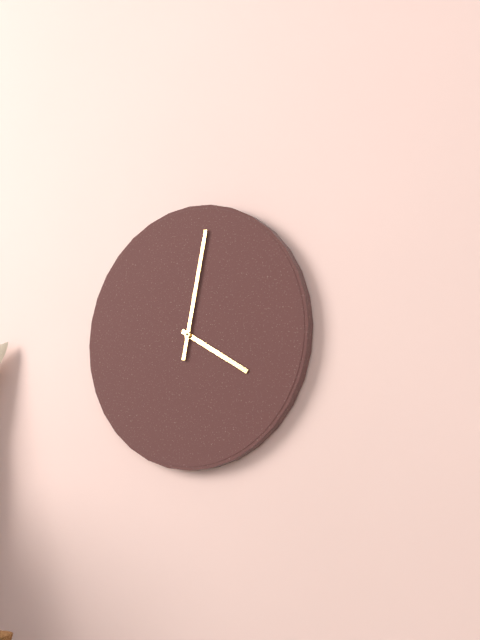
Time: {"hour": 4, "minute": 2}
